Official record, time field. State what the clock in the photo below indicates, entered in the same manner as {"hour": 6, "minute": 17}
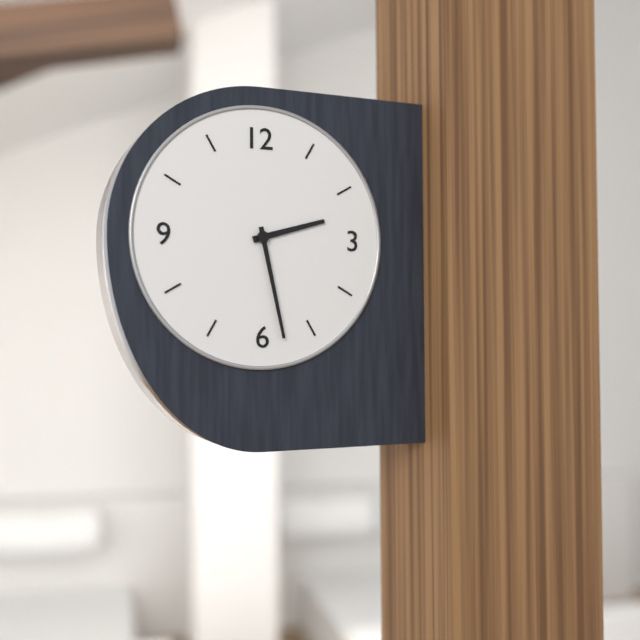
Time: {"hour": 2, "minute": 28}
